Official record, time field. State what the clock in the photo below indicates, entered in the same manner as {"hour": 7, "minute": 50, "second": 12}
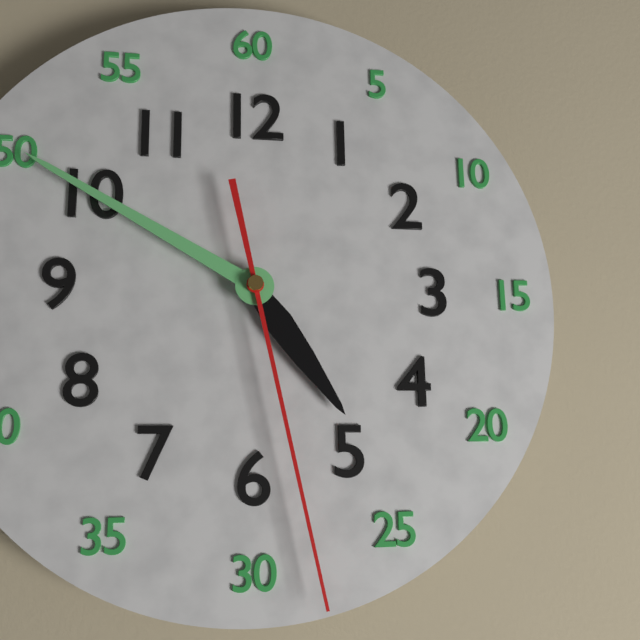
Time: {"hour": 4, "minute": 50, "second": 28}
